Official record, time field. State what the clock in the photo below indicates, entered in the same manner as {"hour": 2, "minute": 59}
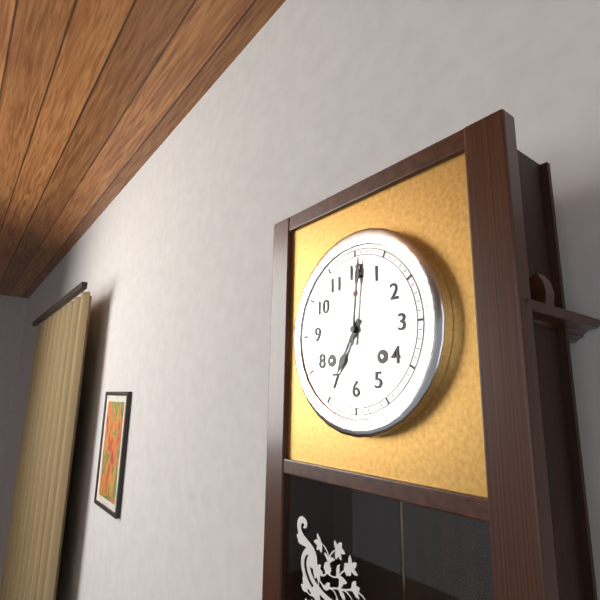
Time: {"hour": 7, "minute": 1}
